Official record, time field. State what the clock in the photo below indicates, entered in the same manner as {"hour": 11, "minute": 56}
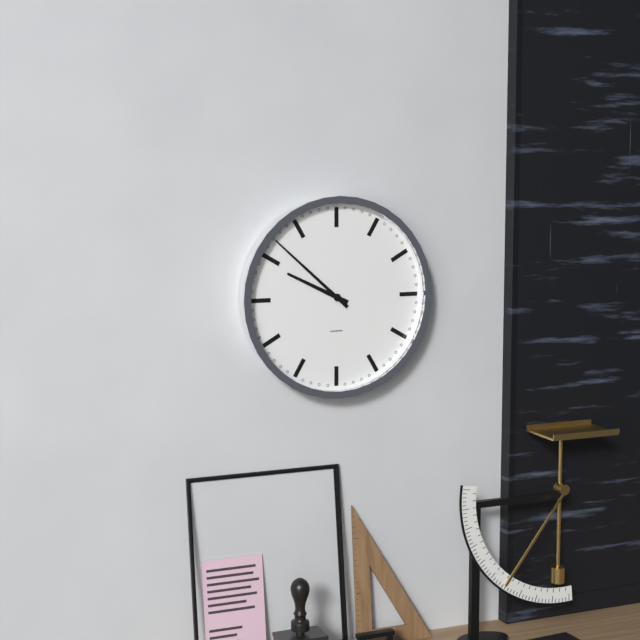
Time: {"hour": 9, "minute": 52}
